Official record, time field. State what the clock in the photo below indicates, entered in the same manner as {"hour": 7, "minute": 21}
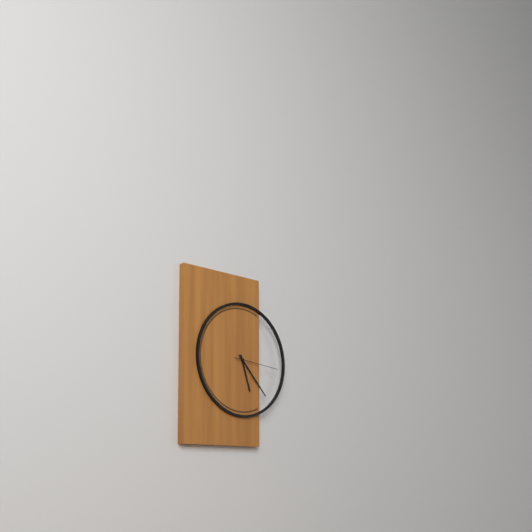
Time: {"hour": 5, "minute": 23}
